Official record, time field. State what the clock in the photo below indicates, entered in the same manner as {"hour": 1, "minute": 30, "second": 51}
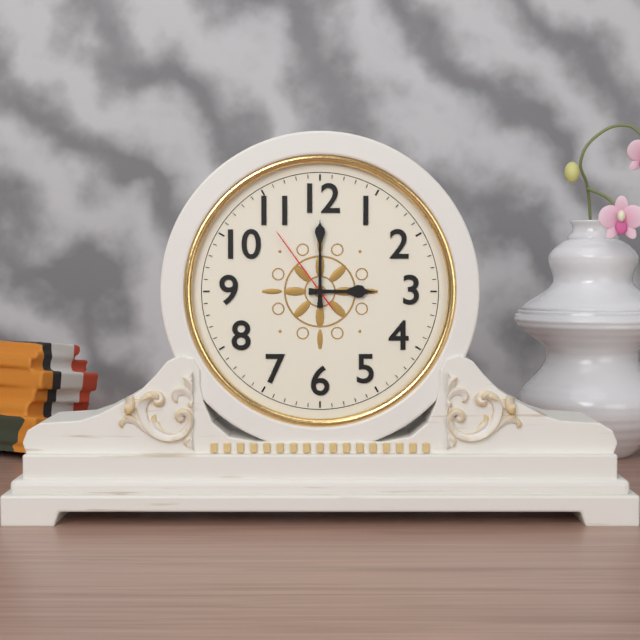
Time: {"hour": 3, "minute": 0, "second": 54}
